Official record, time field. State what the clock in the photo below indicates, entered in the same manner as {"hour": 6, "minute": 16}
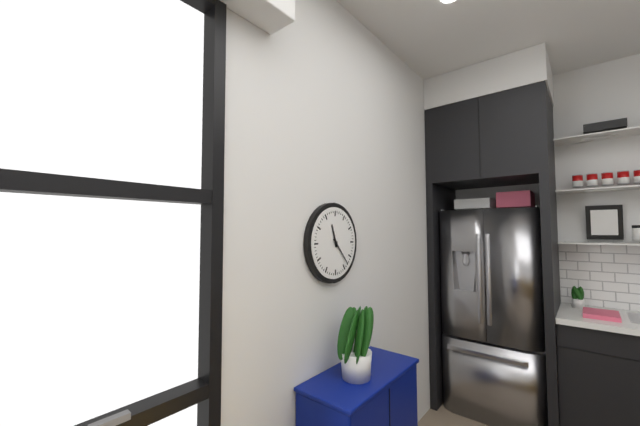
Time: {"hour": 11, "minute": 23}
